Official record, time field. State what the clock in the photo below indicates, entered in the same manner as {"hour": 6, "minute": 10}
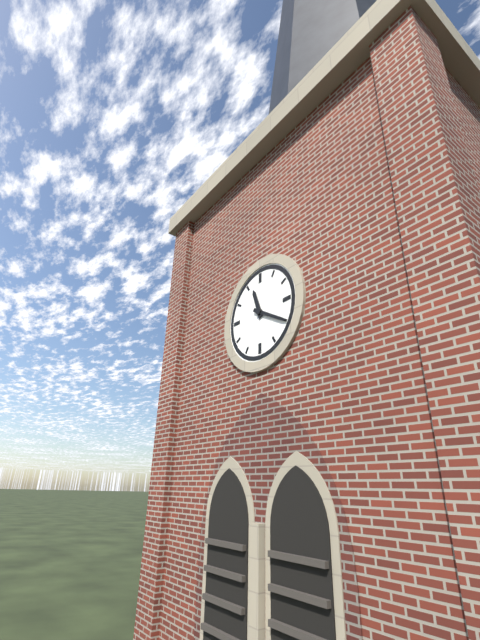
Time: {"hour": 11, "minute": 20}
